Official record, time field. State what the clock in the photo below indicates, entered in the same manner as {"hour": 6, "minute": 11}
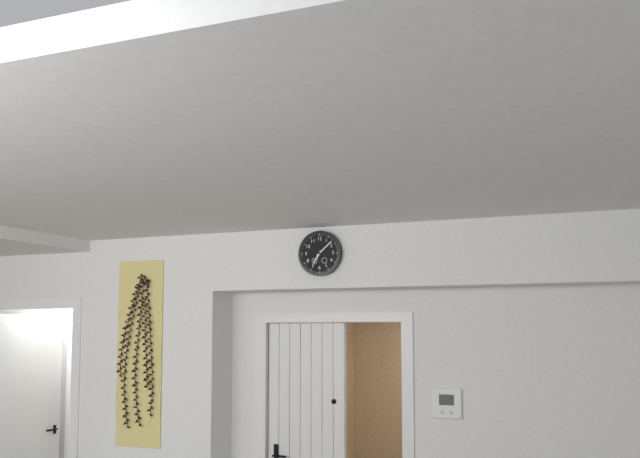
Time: {"hour": 7, "minute": 8}
